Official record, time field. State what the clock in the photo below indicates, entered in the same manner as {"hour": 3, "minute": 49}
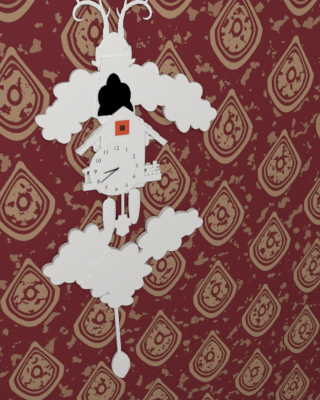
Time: {"hour": 8, "minute": 39}
